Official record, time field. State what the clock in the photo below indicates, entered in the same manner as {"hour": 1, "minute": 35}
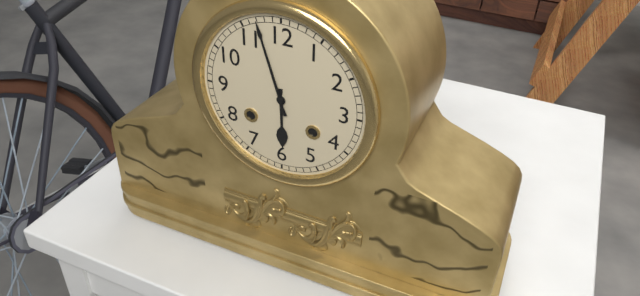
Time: {"hour": 5, "minute": 57}
